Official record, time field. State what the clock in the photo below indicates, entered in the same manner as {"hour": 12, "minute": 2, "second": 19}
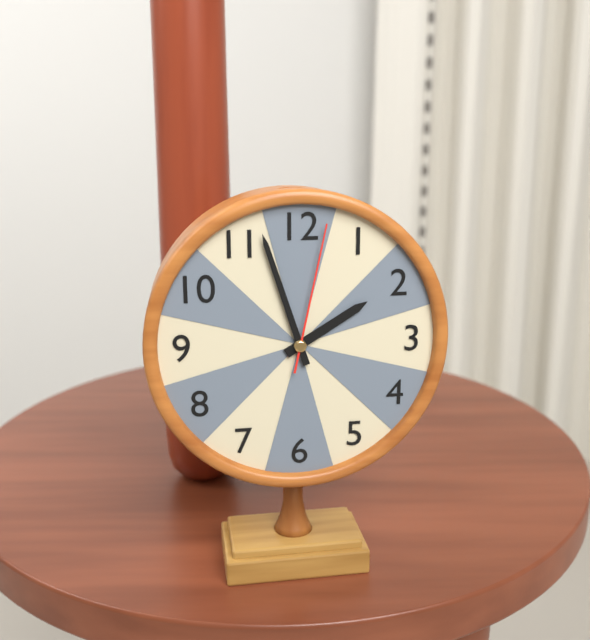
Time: {"hour": 1, "minute": 57, "second": 2}
